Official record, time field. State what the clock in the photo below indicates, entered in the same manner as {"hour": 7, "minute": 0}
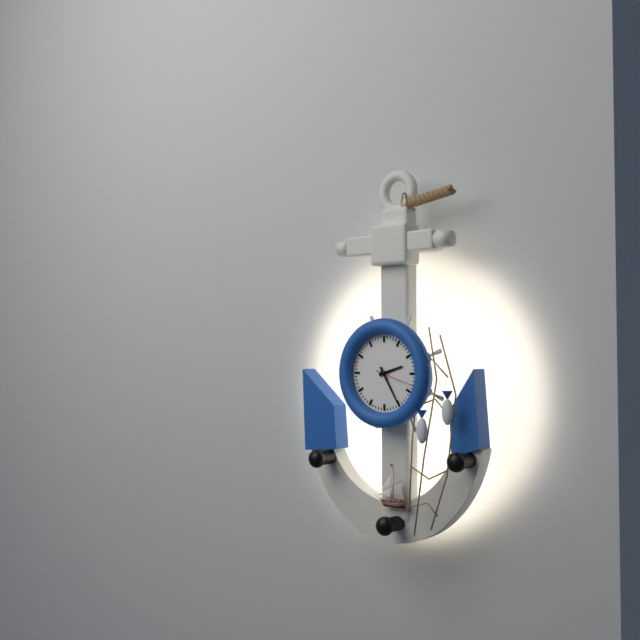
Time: {"hour": 2, "minute": 25}
